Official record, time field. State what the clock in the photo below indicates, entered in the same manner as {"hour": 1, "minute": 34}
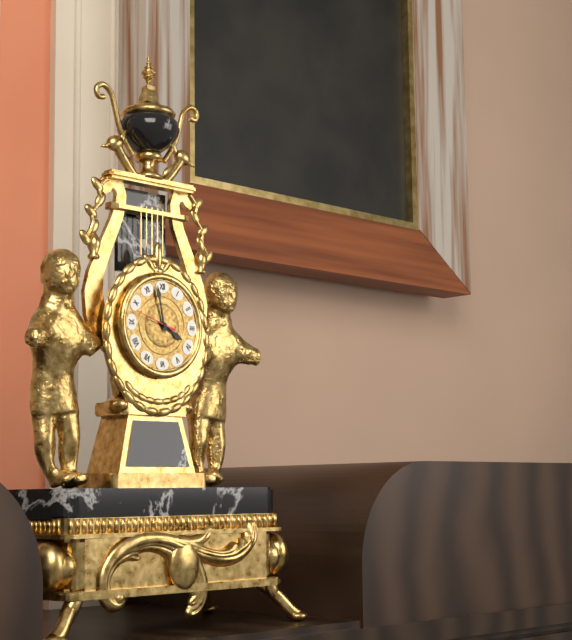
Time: {"hour": 3, "minute": 58}
